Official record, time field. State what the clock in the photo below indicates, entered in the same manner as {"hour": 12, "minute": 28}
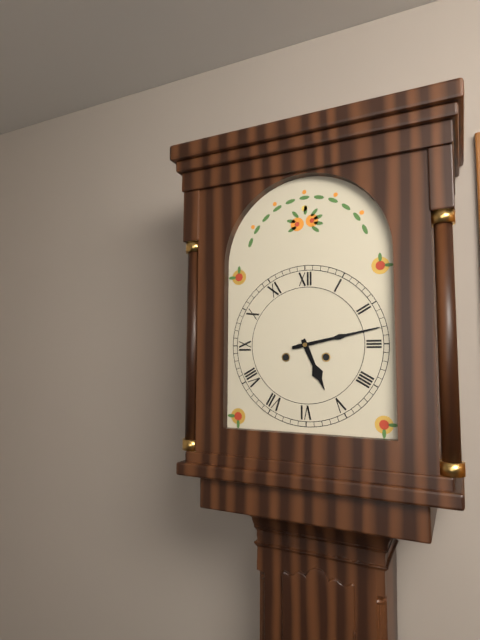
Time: {"hour": 5, "minute": 13}
